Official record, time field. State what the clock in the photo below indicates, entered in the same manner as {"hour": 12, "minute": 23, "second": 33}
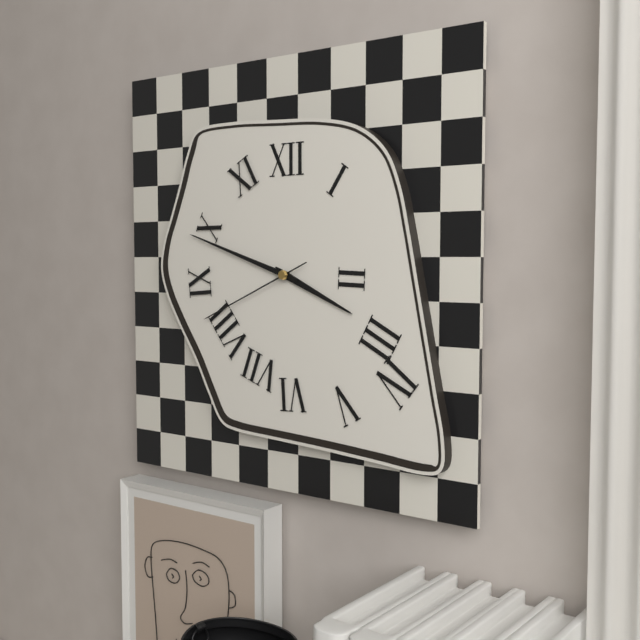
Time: {"hour": 3, "minute": 48, "second": 41}
